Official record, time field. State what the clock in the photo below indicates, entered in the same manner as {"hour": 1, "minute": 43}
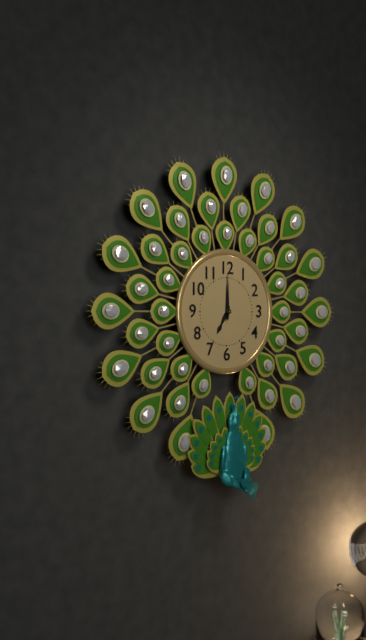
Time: {"hour": 7, "minute": 0}
